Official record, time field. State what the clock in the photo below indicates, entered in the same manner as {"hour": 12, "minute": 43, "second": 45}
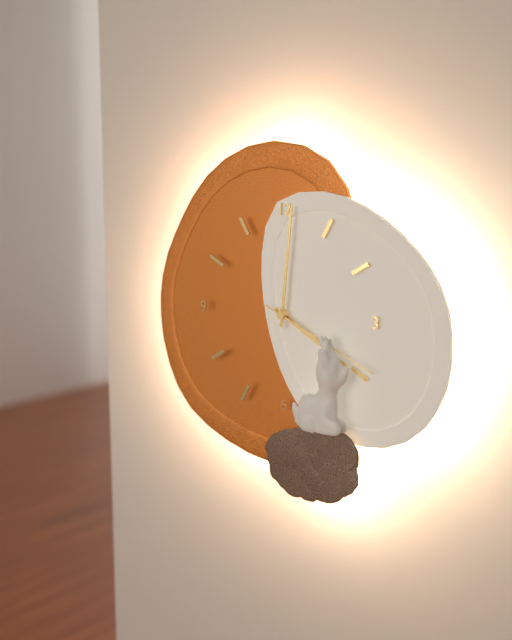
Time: {"hour": 4, "minute": 1, "second": 19}
